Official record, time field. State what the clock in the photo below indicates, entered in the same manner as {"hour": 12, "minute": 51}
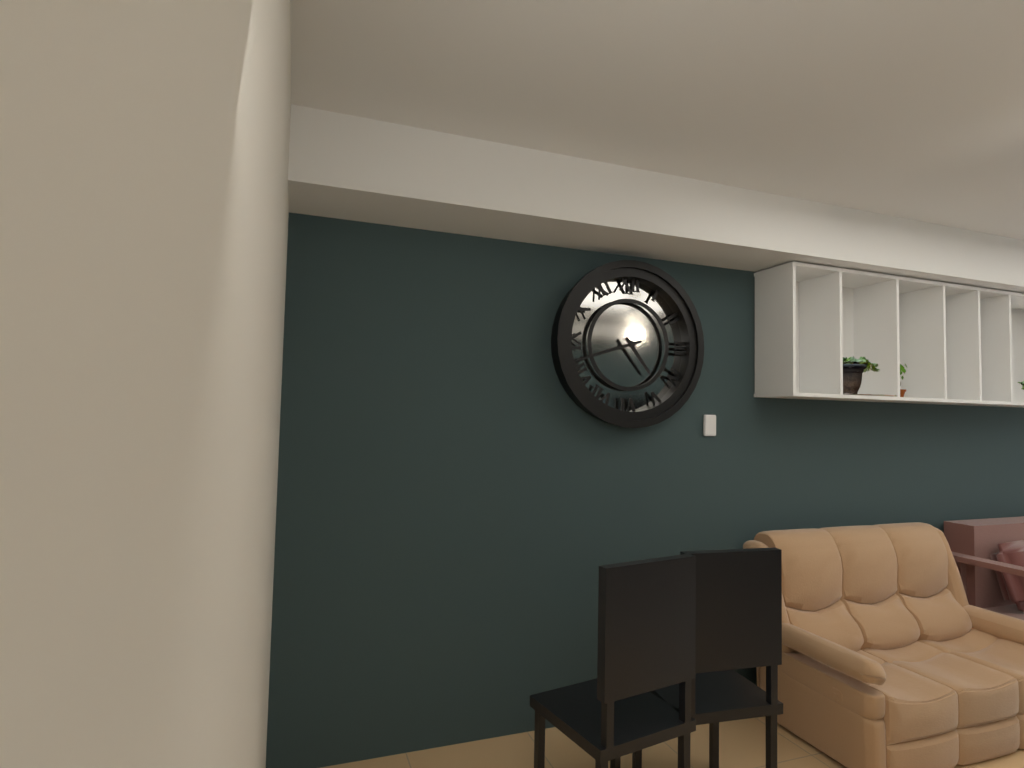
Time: {"hour": 4, "minute": 42}
